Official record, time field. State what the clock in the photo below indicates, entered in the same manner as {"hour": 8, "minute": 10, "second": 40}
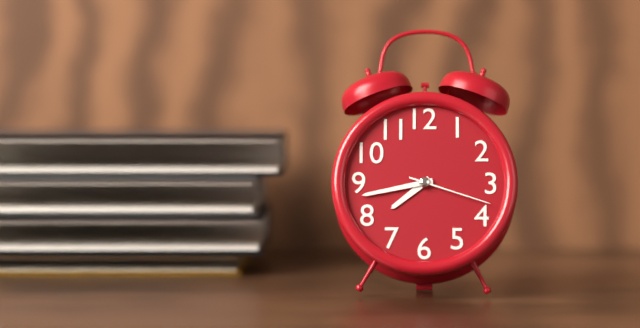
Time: {"hour": 7, "minute": 43, "second": 18}
